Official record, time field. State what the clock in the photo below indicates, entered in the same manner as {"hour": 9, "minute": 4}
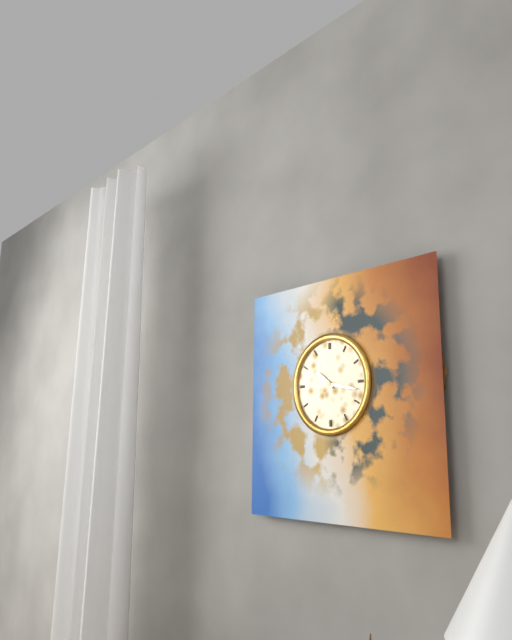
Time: {"hour": 10, "minute": 17}
